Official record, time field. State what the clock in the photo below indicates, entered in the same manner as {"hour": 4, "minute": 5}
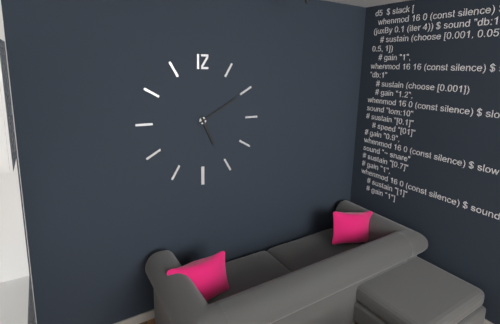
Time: {"hour": 5, "minute": 10}
